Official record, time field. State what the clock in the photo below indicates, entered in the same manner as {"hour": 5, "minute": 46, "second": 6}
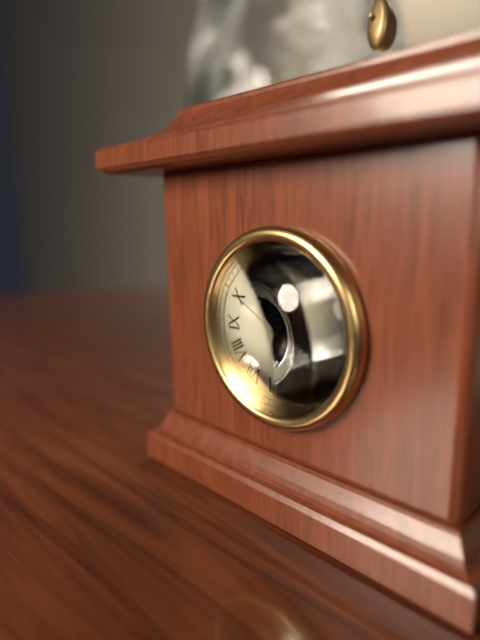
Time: {"hour": 2, "minute": 28, "second": 50}
